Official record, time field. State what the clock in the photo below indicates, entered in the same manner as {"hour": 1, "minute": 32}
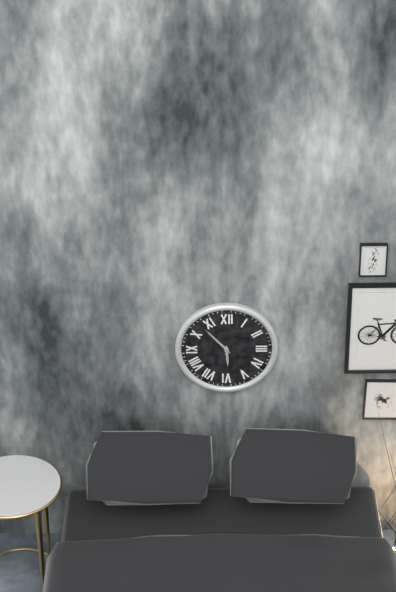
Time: {"hour": 5, "minute": 53}
